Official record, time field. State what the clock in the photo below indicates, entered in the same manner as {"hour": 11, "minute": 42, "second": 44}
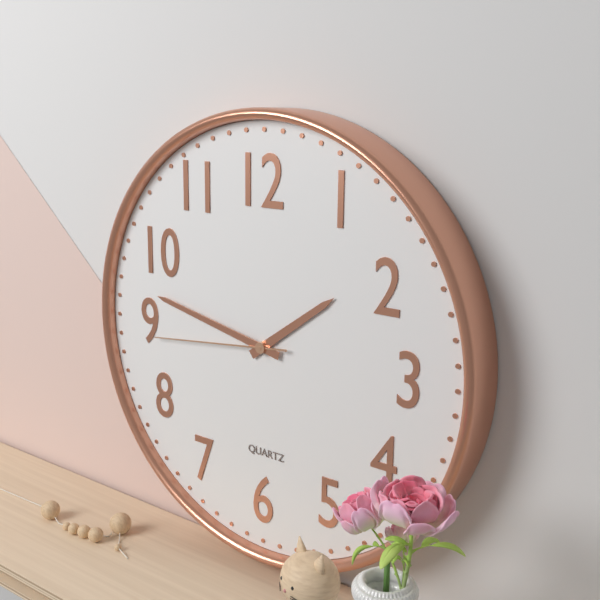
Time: {"hour": 1, "minute": 47, "second": 44}
